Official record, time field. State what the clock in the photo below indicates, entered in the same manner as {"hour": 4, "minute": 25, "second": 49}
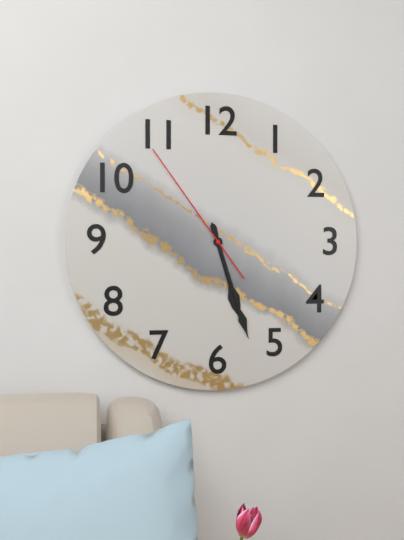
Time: {"hour": 5, "minute": 27, "second": 54}
